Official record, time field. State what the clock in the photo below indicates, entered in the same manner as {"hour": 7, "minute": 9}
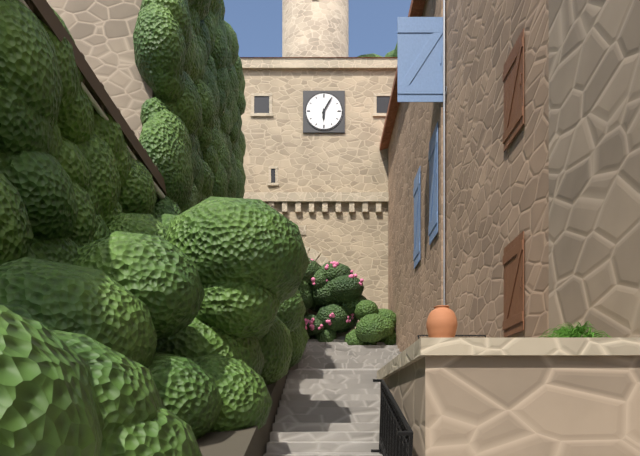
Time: {"hour": 6, "minute": 5}
